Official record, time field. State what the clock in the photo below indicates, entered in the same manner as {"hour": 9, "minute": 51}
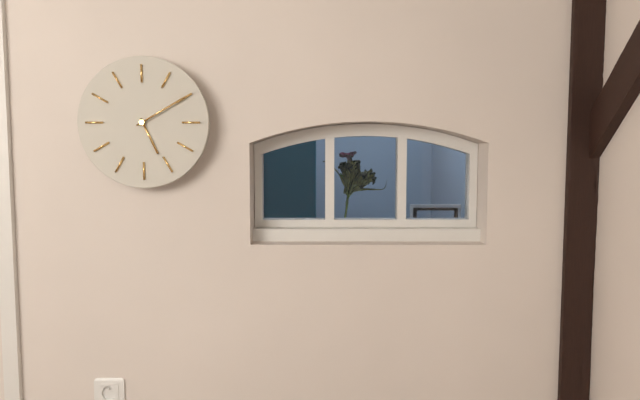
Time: {"hour": 5, "minute": 10}
